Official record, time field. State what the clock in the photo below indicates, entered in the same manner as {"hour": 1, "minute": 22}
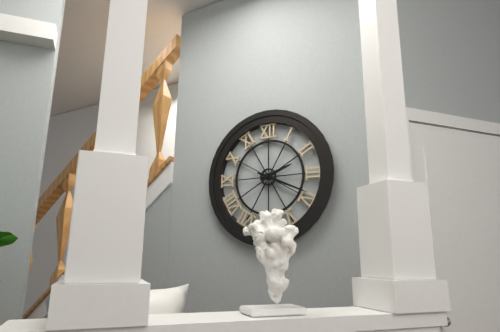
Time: {"hour": 2, "minute": 19}
